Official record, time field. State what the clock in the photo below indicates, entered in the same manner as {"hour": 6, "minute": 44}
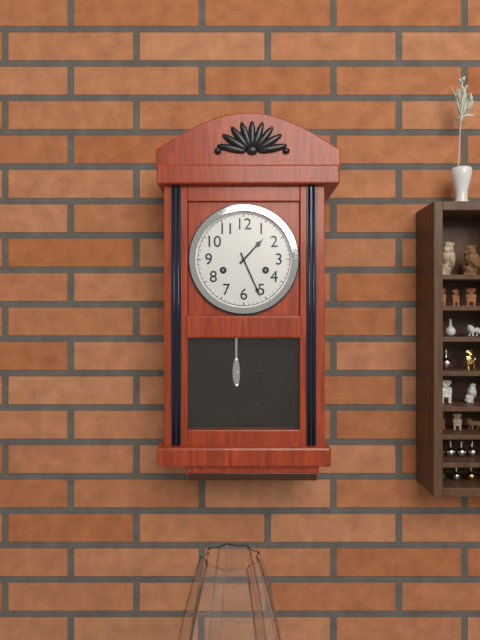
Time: {"hour": 1, "minute": 26}
